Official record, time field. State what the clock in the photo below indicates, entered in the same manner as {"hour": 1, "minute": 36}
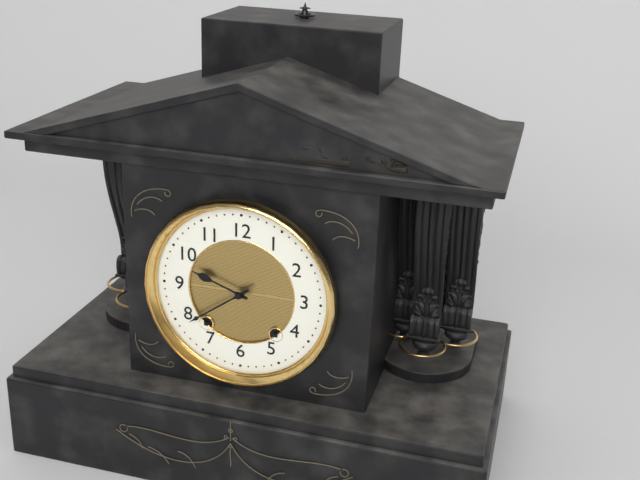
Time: {"hour": 9, "minute": 39}
